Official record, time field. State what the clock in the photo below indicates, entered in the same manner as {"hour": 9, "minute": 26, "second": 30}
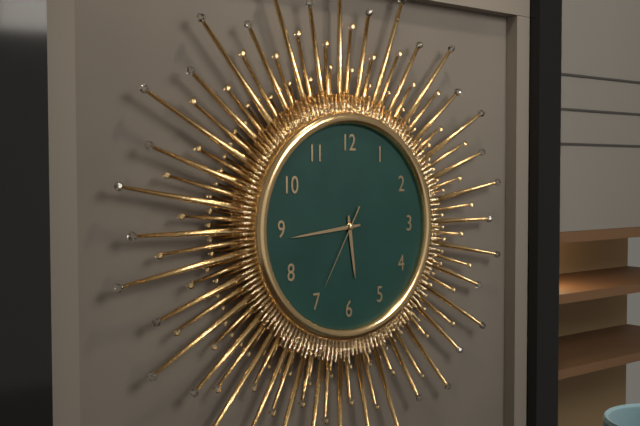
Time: {"hour": 5, "minute": 44, "second": 35}
